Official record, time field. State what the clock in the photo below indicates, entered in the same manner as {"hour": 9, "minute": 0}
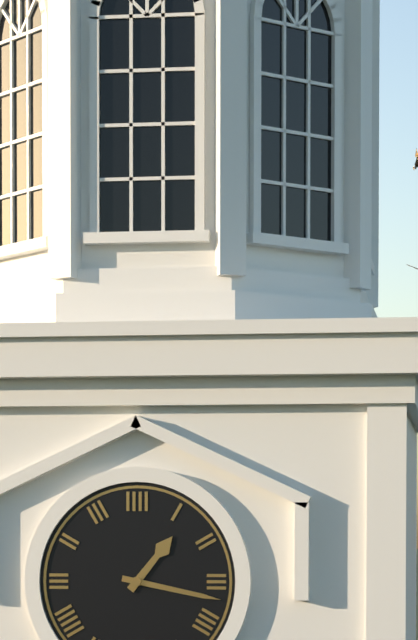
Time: {"hour": 1, "minute": 17}
